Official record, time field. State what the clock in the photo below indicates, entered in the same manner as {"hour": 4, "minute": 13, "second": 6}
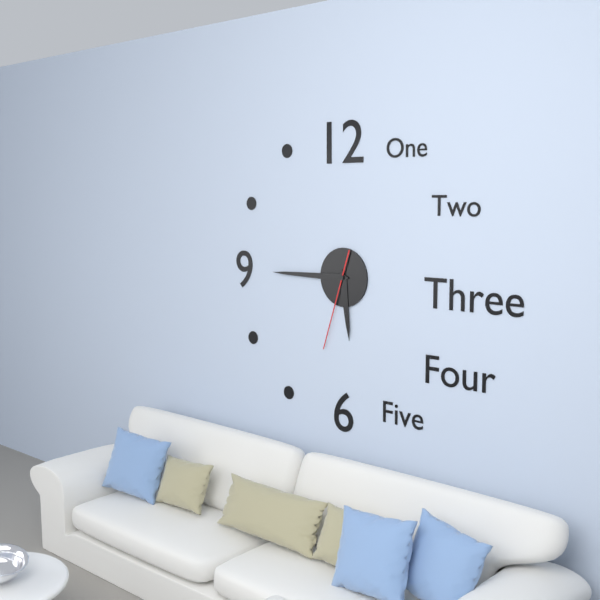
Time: {"hour": 5, "minute": 45, "second": 33}
